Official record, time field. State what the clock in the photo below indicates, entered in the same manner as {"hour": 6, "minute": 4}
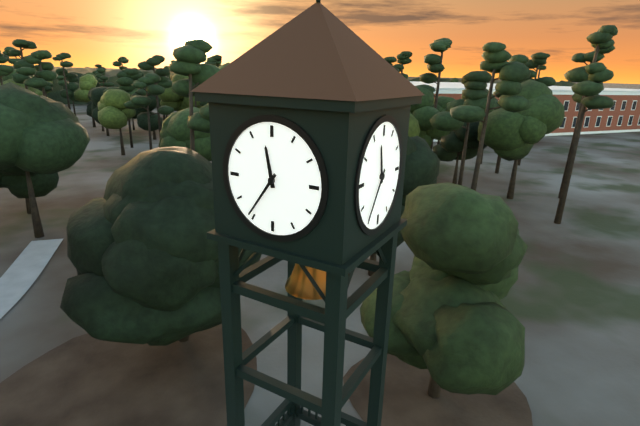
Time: {"hour": 11, "minute": 36}
